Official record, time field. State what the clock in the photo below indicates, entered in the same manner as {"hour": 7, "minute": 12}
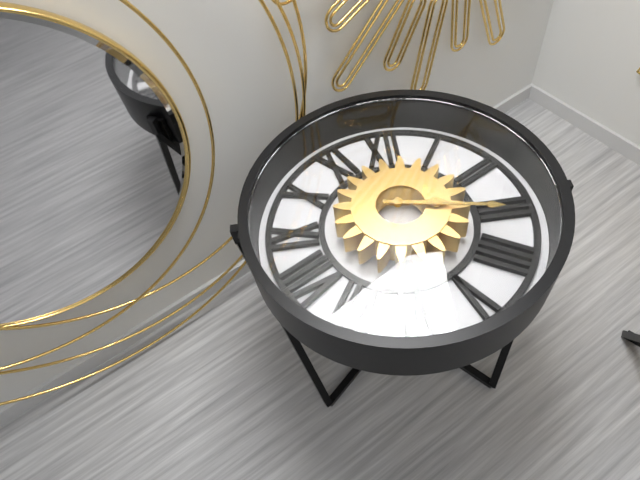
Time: {"hour": 3, "minute": 17}
